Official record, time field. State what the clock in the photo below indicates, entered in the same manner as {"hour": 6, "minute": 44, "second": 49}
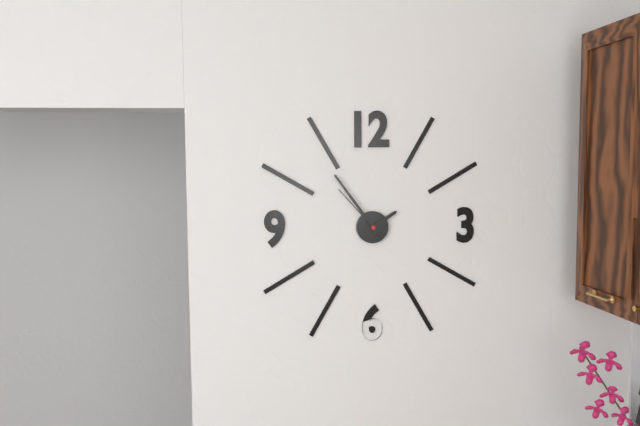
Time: {"hour": 1, "minute": 54, "second": 53}
